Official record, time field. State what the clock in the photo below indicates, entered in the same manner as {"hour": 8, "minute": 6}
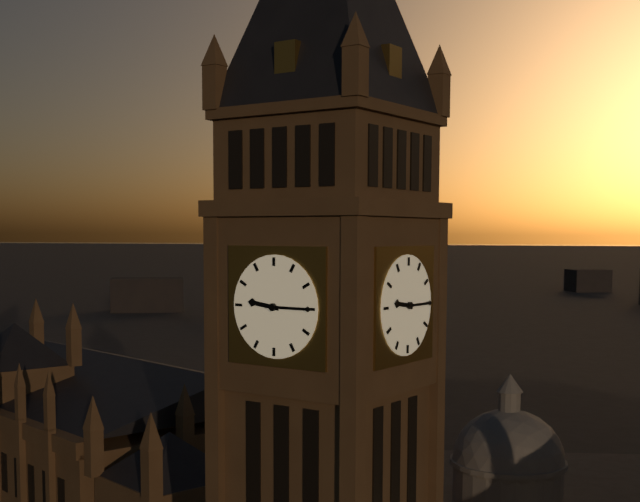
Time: {"hour": 9, "minute": 15}
